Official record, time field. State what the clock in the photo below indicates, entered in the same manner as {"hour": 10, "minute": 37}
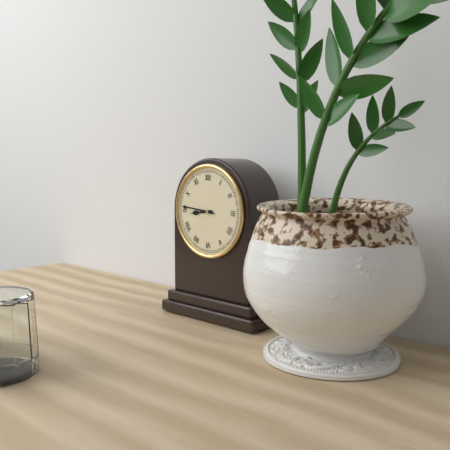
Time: {"hour": 8, "minute": 46}
